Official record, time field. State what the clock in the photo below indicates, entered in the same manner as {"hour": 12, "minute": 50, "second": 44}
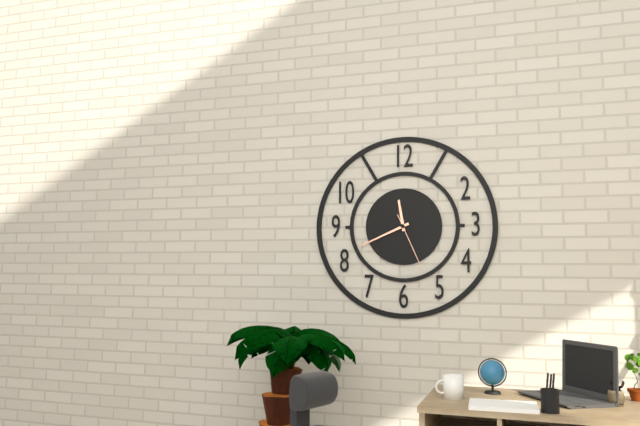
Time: {"hour": 11, "minute": 41, "second": 26}
